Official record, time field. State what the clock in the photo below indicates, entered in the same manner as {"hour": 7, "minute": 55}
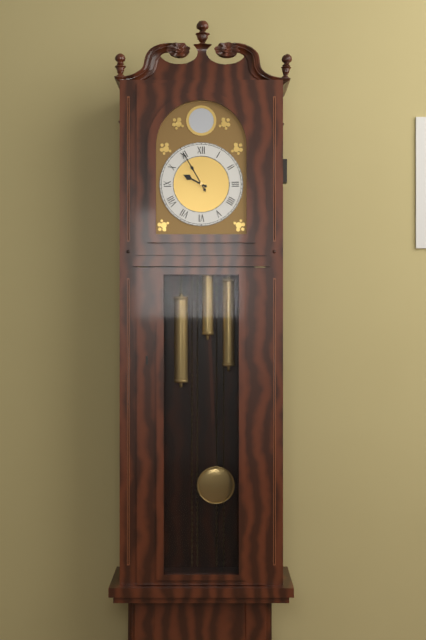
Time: {"hour": 9, "minute": 55}
